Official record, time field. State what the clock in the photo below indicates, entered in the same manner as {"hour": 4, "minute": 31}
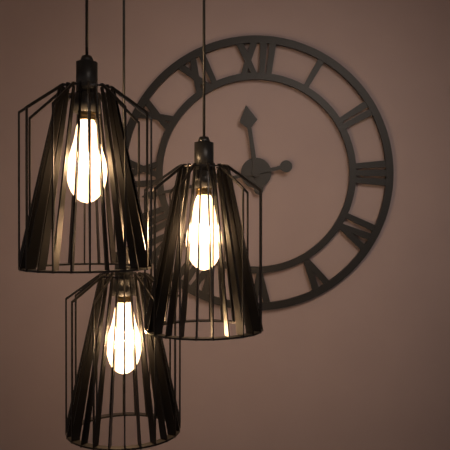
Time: {"hour": 11, "minute": 43}
